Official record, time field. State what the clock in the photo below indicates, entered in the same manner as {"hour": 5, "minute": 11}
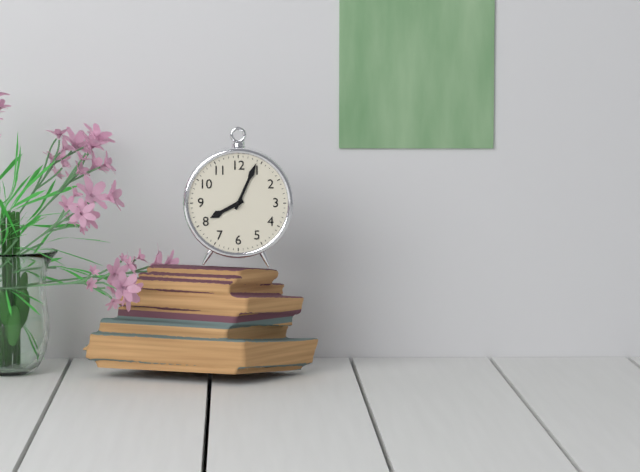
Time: {"hour": 8, "minute": 4}
